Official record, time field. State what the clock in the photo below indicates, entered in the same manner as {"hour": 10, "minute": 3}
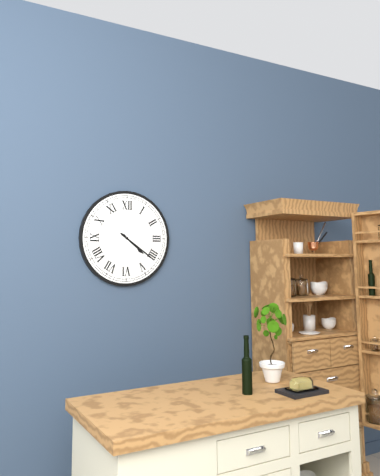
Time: {"hour": 4, "minute": 21}
